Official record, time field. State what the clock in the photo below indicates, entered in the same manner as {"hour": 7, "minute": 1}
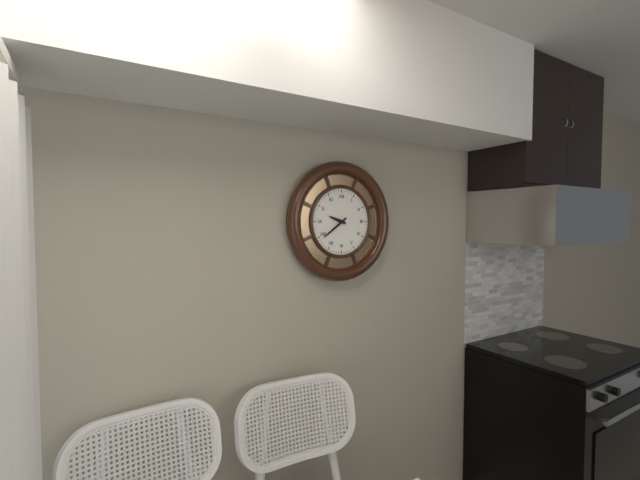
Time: {"hour": 9, "minute": 39}
